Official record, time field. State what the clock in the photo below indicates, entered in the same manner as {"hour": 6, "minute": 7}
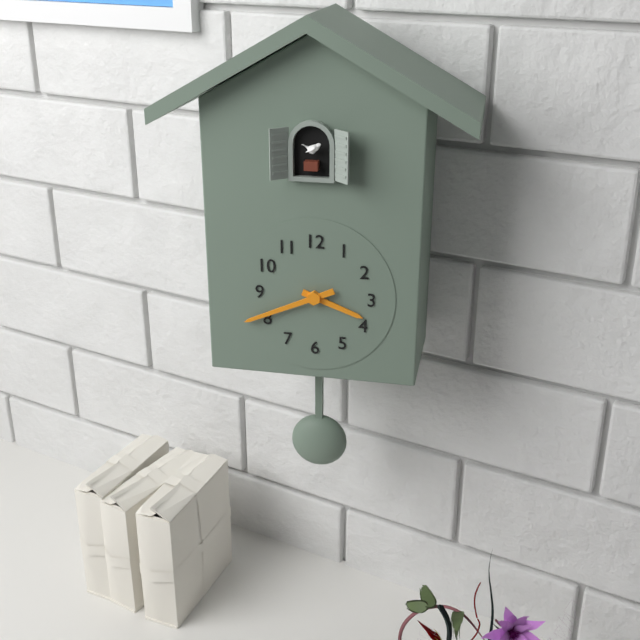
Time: {"hour": 3, "minute": 41}
